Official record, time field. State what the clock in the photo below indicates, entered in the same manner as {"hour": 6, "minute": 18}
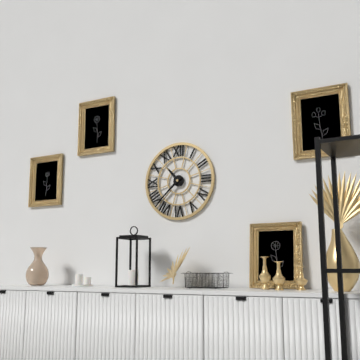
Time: {"hour": 10, "minute": 38}
